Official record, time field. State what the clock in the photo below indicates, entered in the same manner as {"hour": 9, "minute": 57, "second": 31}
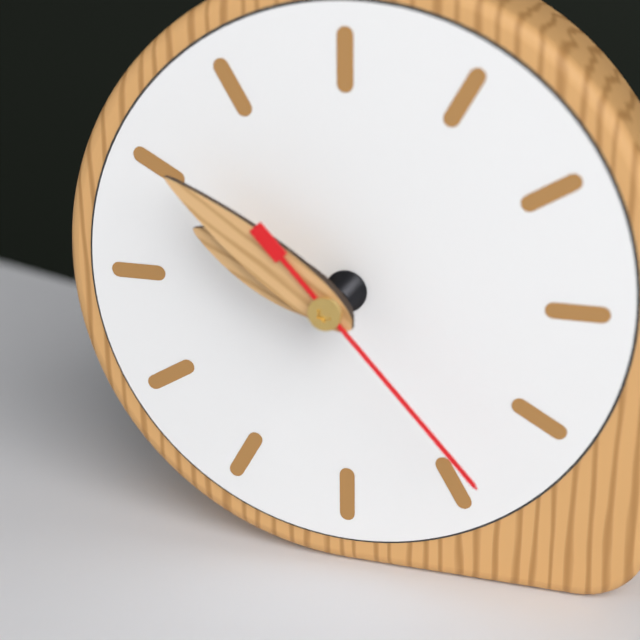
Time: {"hour": 9, "minute": 51, "second": 23}
